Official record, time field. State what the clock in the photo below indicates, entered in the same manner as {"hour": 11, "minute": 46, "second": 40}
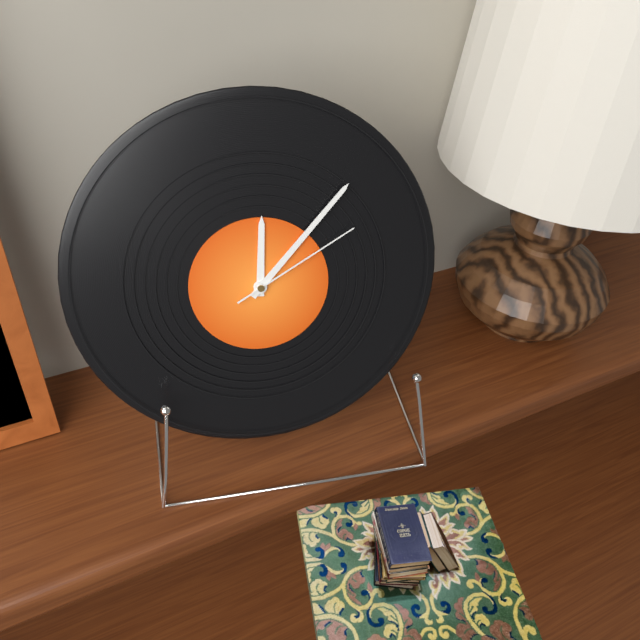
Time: {"hour": 12, "minute": 7, "second": 10}
